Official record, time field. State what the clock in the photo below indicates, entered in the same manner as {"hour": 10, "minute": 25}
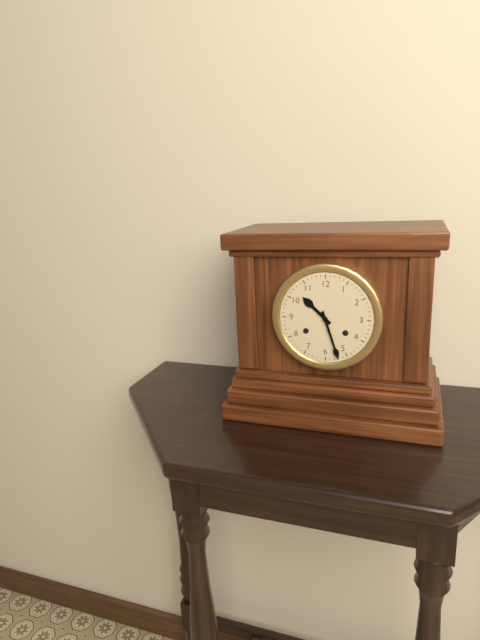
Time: {"hour": 10, "minute": 27}
